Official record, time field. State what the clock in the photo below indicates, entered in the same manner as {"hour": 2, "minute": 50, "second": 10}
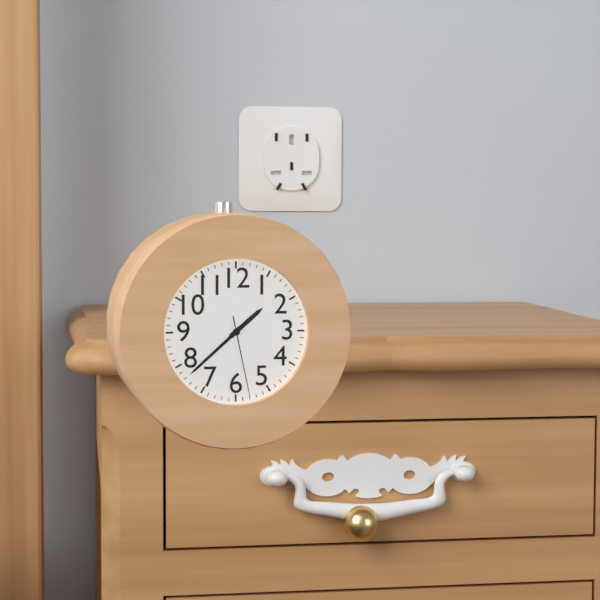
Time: {"hour": 1, "minute": 38, "second": 28}
